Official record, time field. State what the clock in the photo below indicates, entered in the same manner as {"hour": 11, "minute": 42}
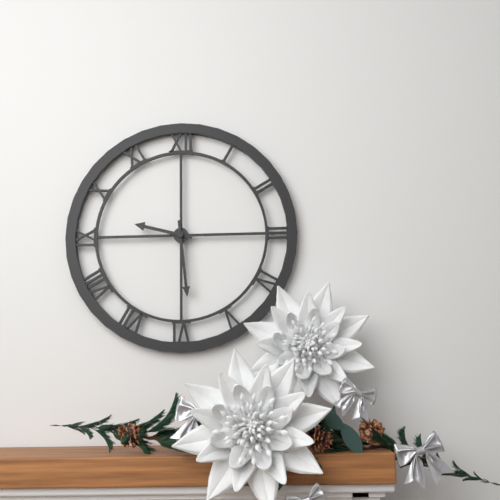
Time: {"hour": 9, "minute": 29}
